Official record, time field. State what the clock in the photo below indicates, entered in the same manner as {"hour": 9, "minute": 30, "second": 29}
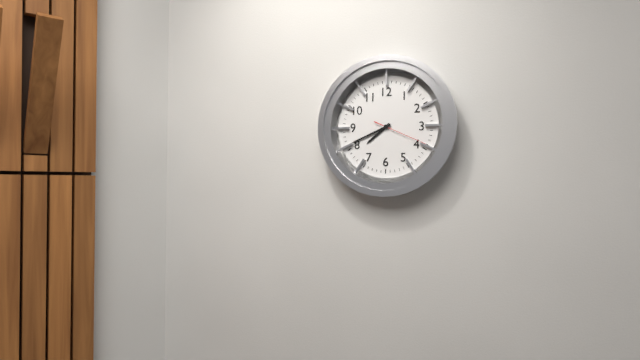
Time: {"hour": 7, "minute": 41, "second": 19}
